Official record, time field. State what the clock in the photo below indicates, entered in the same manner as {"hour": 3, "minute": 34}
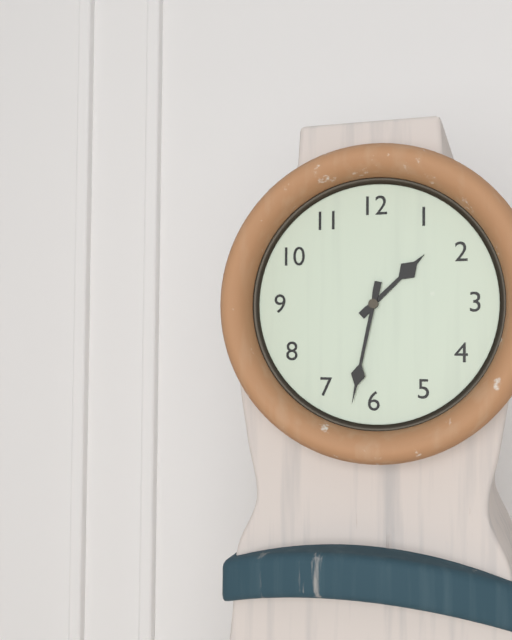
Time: {"hour": 1, "minute": 32}
